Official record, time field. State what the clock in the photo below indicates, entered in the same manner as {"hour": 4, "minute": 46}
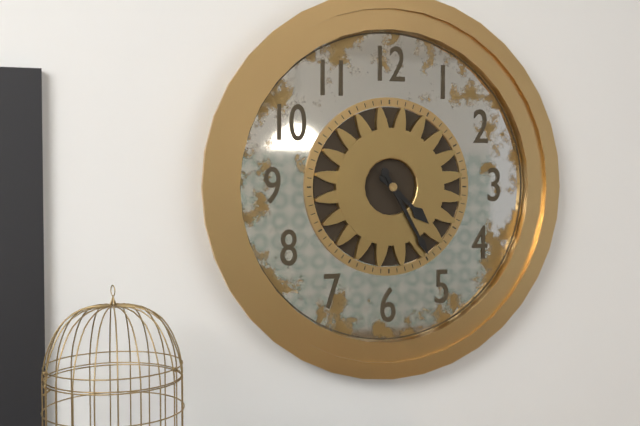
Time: {"hour": 4, "minute": 25}
